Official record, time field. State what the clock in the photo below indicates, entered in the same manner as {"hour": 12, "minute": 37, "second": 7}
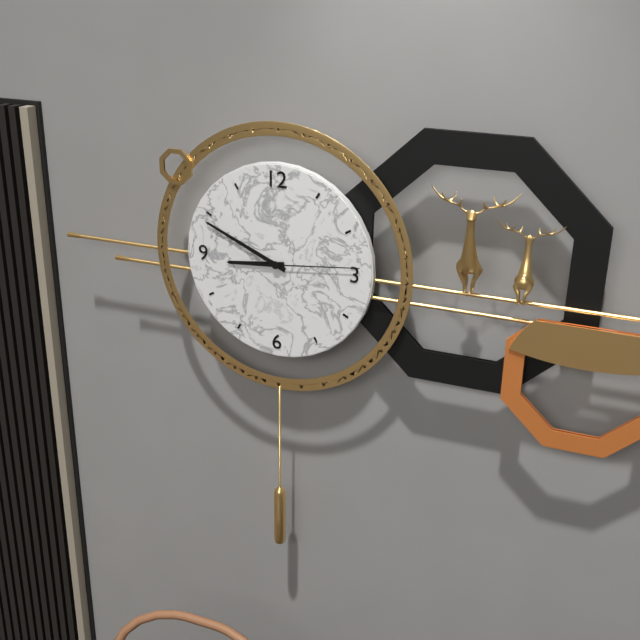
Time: {"hour": 8, "minute": 49, "second": 14}
